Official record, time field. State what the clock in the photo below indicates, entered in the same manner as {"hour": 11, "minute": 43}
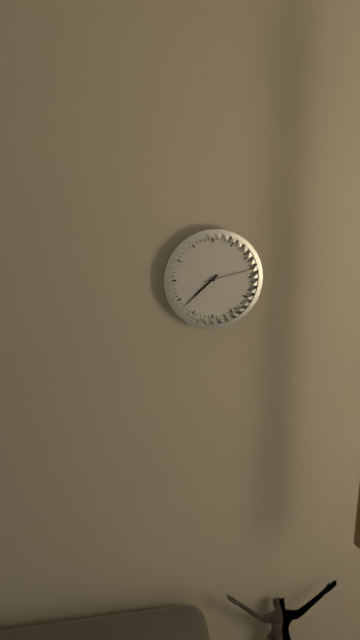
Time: {"hour": 7, "minute": 38}
